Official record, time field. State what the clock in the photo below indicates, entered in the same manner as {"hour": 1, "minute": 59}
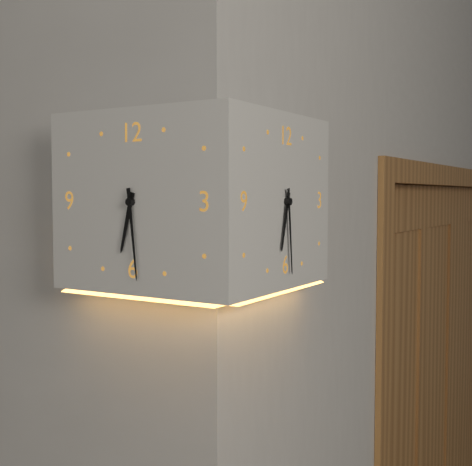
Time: {"hour": 6, "minute": 29}
